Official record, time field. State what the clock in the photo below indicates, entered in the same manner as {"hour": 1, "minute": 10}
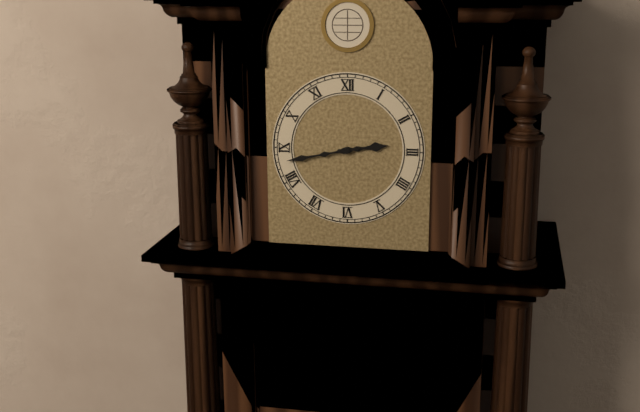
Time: {"hour": 2, "minute": 43}
